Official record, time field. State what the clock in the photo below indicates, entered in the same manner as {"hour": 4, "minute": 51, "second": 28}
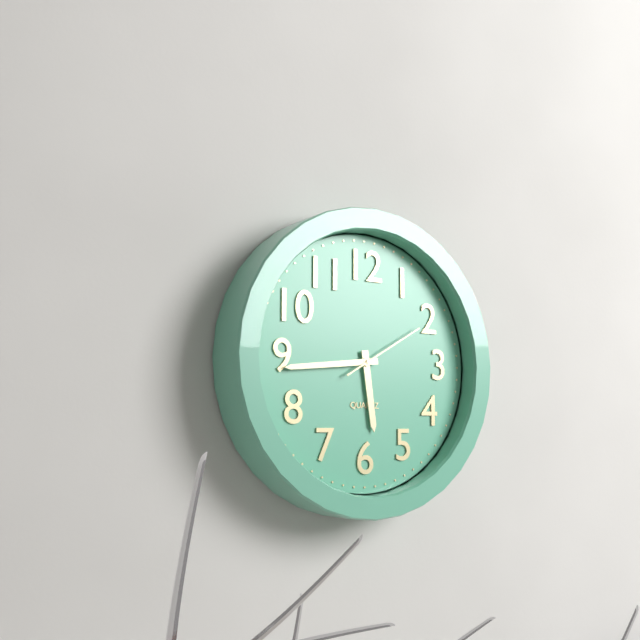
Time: {"hour": 5, "minute": 44, "second": 10}
